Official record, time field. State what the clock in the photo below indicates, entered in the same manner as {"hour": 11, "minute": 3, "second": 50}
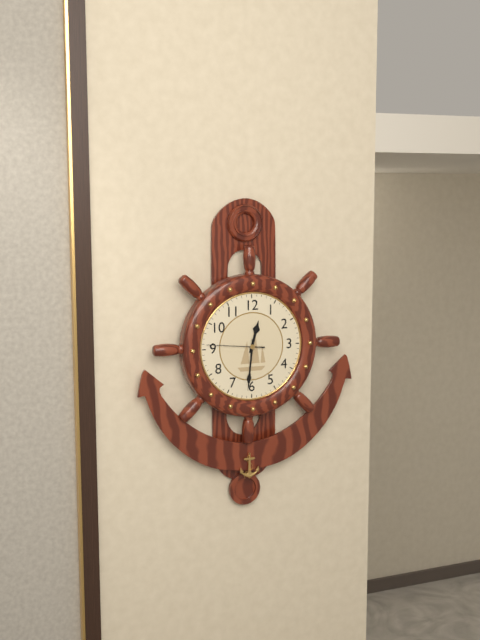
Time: {"hour": 12, "minute": 31, "second": 46}
